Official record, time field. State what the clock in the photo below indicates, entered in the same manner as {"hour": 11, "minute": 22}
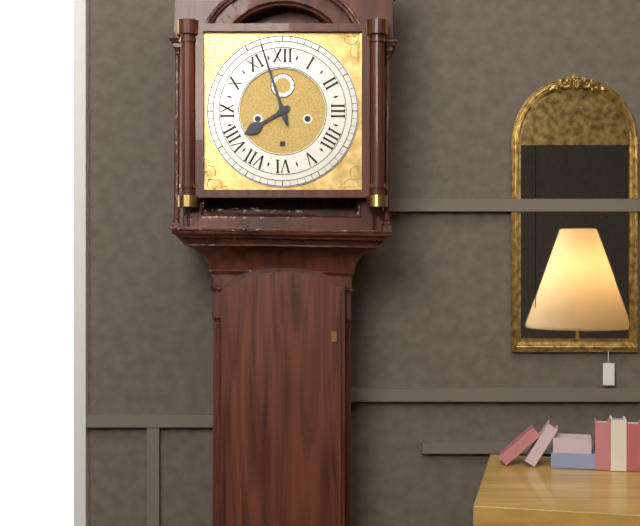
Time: {"hour": 7, "minute": 57}
